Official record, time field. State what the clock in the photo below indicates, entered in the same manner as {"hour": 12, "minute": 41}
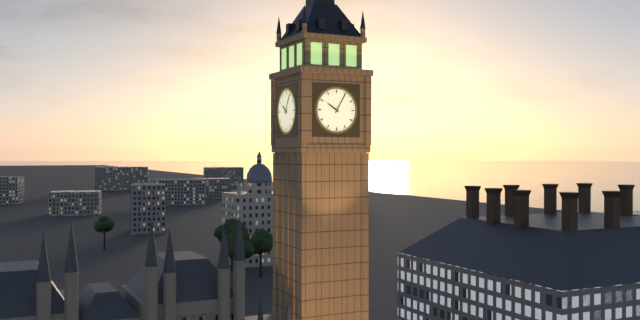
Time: {"hour": 10, "minute": 5}
